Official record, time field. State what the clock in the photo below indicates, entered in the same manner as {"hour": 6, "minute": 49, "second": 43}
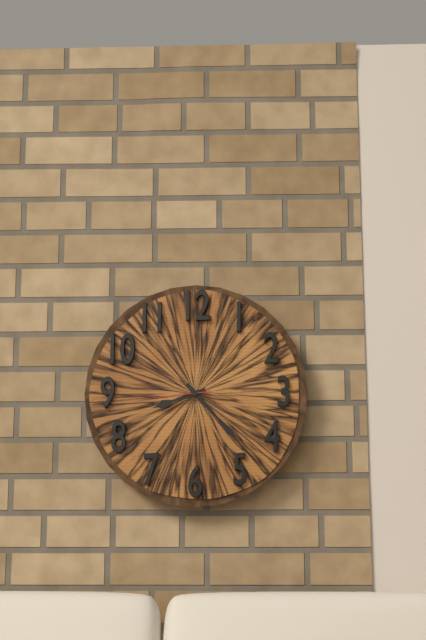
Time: {"hour": 8, "minute": 23, "second": 44}
